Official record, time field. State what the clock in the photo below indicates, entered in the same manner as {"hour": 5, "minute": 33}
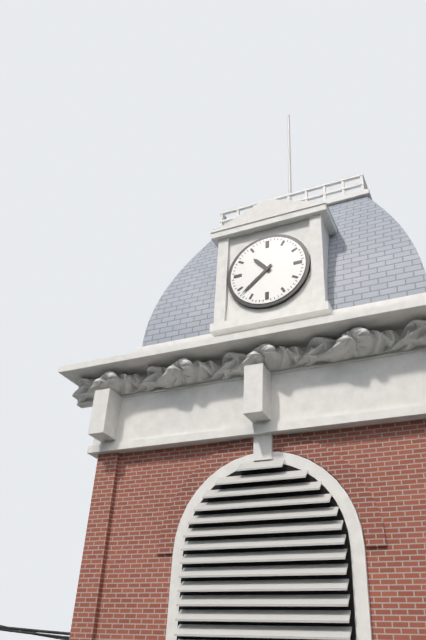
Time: {"hour": 10, "minute": 38}
